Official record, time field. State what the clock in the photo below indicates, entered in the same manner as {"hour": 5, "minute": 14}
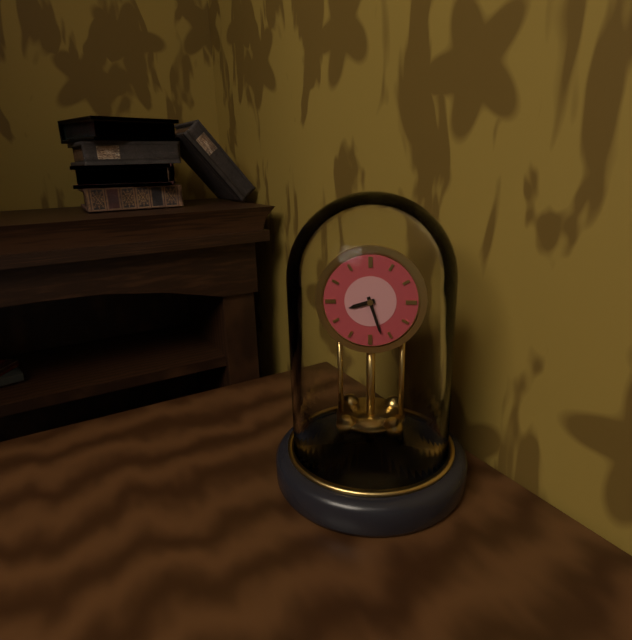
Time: {"hour": 8, "minute": 27}
